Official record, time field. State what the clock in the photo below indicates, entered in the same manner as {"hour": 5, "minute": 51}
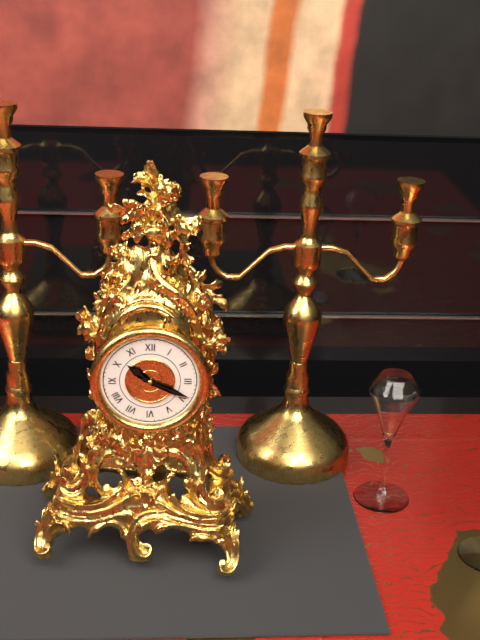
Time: {"hour": 10, "minute": 19}
